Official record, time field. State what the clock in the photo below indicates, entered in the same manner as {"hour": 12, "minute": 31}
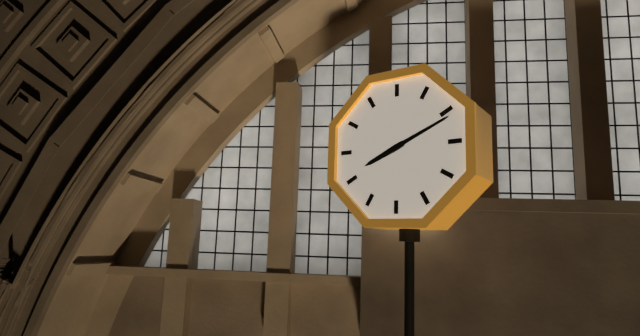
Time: {"hour": 8, "minute": 11}
